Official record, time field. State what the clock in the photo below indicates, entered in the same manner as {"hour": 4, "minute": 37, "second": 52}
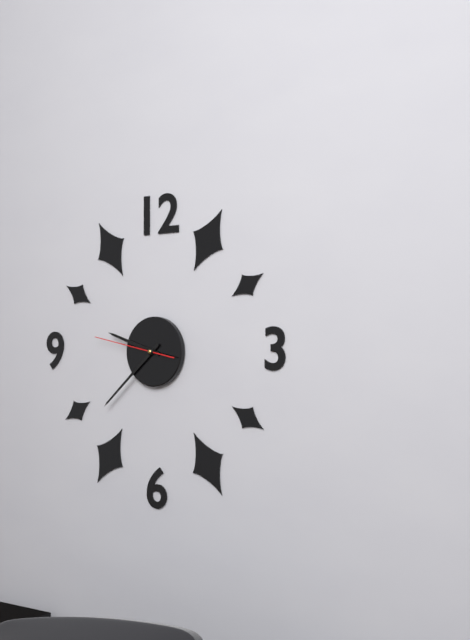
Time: {"hour": 9, "minute": 38, "second": 47}
